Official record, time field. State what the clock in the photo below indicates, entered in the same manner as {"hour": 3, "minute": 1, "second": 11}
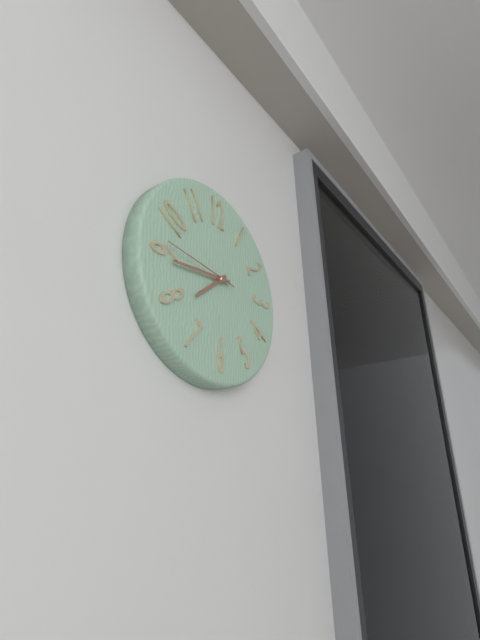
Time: {"hour": 7, "minute": 44, "second": 46}
